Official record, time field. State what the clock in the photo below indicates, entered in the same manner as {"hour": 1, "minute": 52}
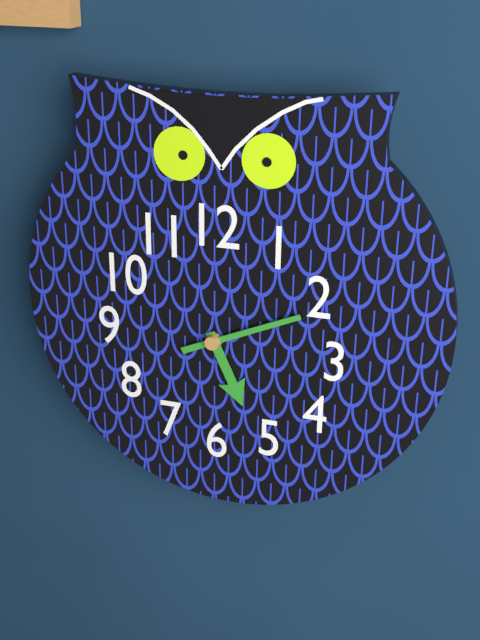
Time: {"hour": 5, "minute": 11}
